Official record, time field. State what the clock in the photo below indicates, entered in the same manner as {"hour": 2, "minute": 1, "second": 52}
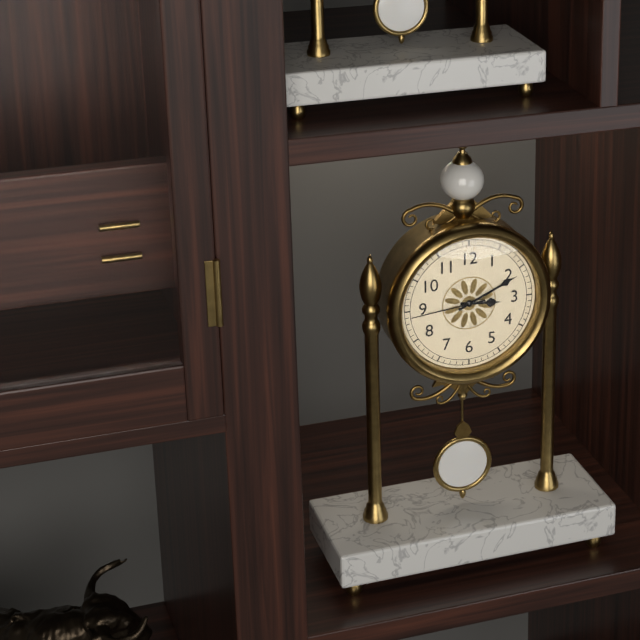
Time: {"hour": 3, "minute": 11, "second": 44}
